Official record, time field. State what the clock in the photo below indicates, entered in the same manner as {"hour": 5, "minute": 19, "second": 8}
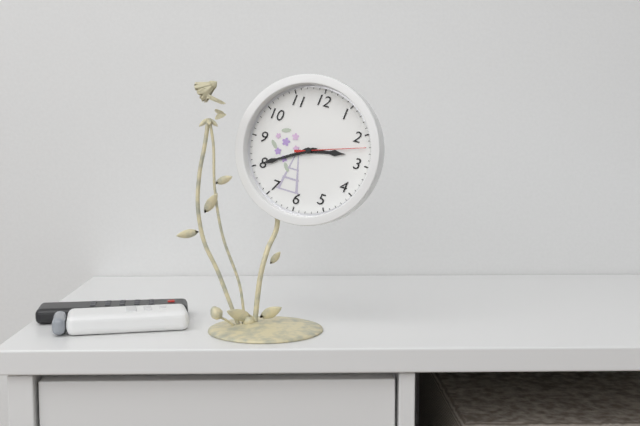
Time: {"hour": 2, "minute": 40, "second": 12}
